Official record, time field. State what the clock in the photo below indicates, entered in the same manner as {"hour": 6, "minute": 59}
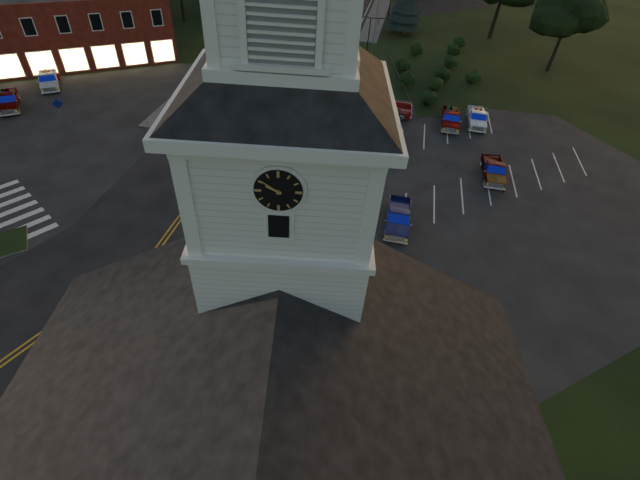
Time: {"hour": 9, "minute": 51}
